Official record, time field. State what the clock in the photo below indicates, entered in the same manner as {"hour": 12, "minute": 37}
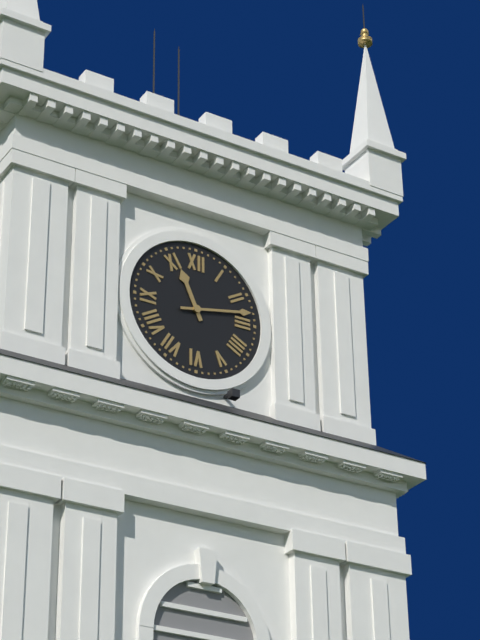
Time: {"hour": 11, "minute": 13}
